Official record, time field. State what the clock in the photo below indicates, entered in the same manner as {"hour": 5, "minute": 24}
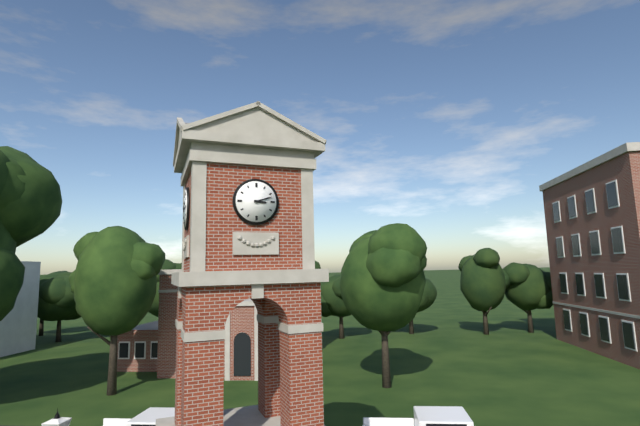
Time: {"hour": 3, "minute": 12}
